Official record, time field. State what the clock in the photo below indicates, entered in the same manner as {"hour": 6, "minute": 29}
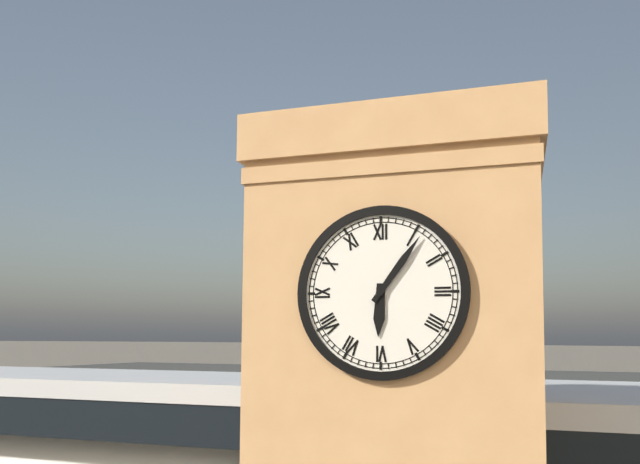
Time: {"hour": 6, "minute": 6}
